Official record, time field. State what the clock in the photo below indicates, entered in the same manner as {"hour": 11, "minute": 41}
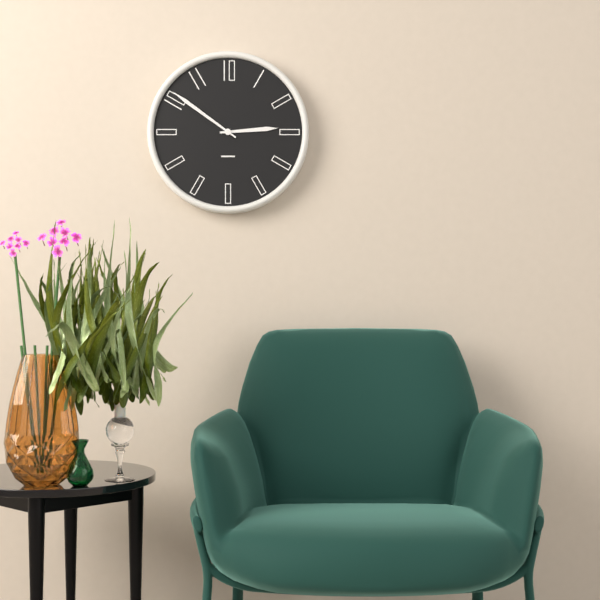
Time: {"hour": 2, "minute": 51}
